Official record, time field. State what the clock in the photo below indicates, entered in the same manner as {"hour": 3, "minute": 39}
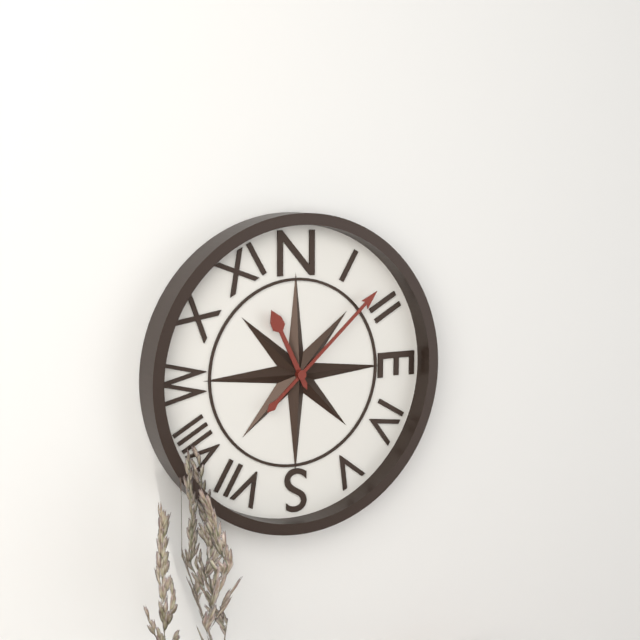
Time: {"hour": 11, "minute": 8}
